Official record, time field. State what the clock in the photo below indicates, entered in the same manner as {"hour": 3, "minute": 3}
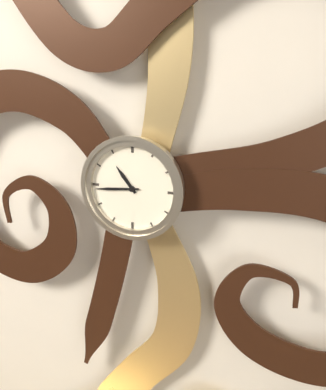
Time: {"hour": 10, "minute": 44}
